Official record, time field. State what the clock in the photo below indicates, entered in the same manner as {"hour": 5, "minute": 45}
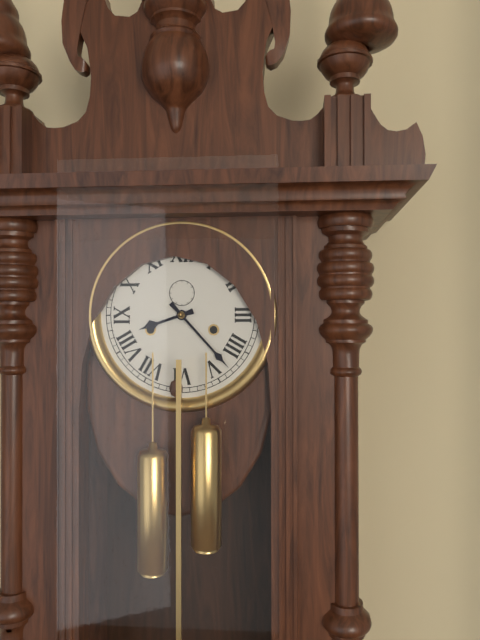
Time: {"hour": 8, "minute": 23}
